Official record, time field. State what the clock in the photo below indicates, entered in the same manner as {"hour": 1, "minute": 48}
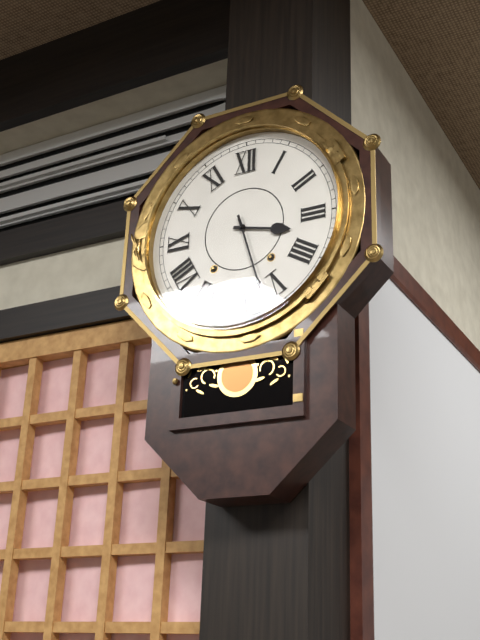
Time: {"hour": 3, "minute": 27}
